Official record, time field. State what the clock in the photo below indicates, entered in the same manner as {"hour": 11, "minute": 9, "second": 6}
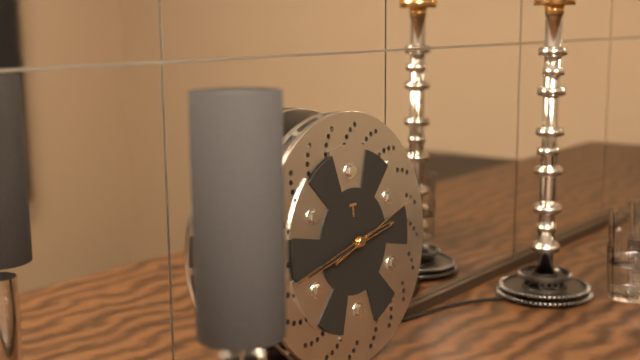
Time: {"hour": 2, "minute": 43, "second": 12}
